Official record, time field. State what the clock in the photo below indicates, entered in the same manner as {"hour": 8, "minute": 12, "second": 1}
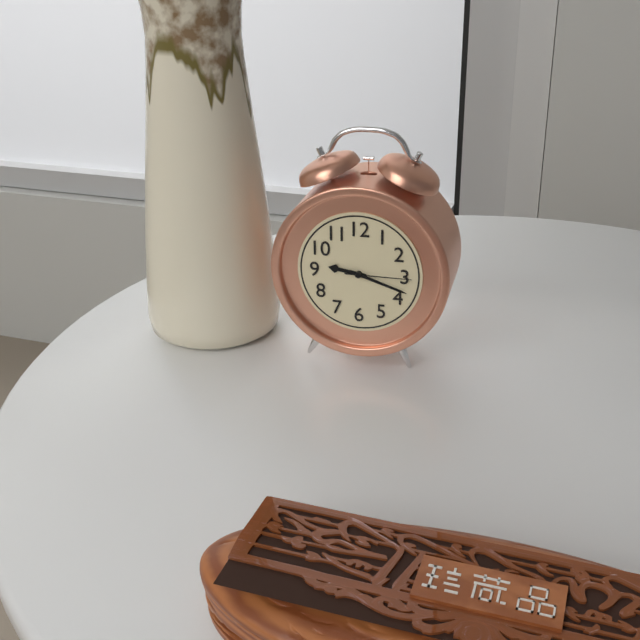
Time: {"hour": 9, "minute": 18, "second": 15}
